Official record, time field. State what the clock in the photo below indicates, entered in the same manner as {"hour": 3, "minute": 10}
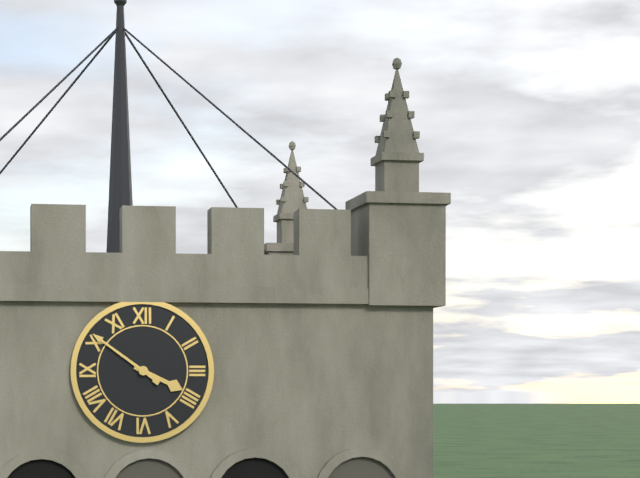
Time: {"hour": 3, "minute": 51}
